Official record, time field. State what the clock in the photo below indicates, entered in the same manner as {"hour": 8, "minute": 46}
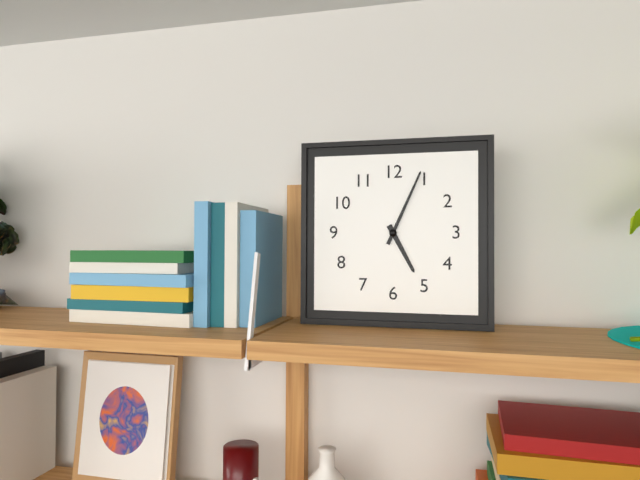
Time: {"hour": 5, "minute": 4}
